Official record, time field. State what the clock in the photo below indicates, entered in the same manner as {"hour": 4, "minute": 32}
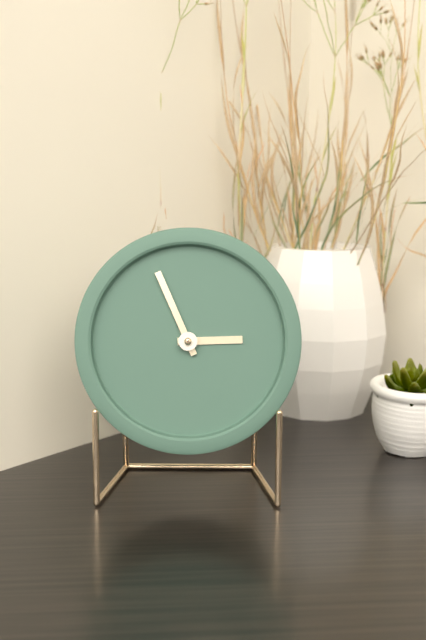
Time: {"hour": 2, "minute": 56}
